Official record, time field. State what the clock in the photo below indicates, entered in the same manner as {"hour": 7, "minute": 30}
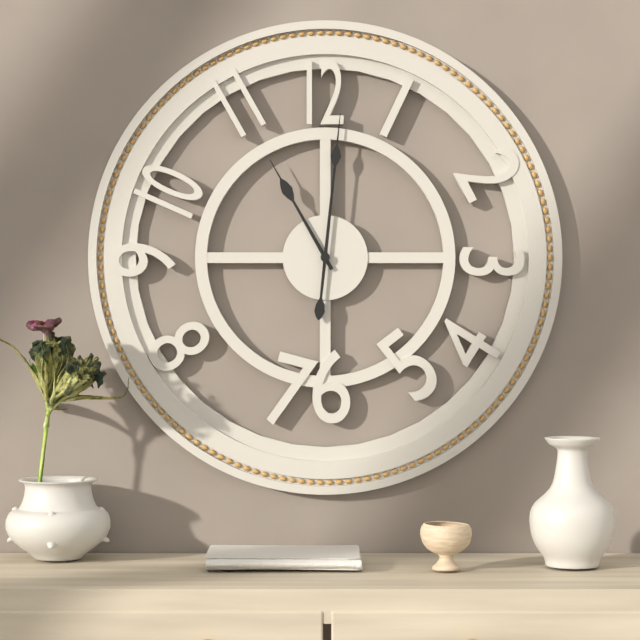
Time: {"hour": 11, "minute": 1}
